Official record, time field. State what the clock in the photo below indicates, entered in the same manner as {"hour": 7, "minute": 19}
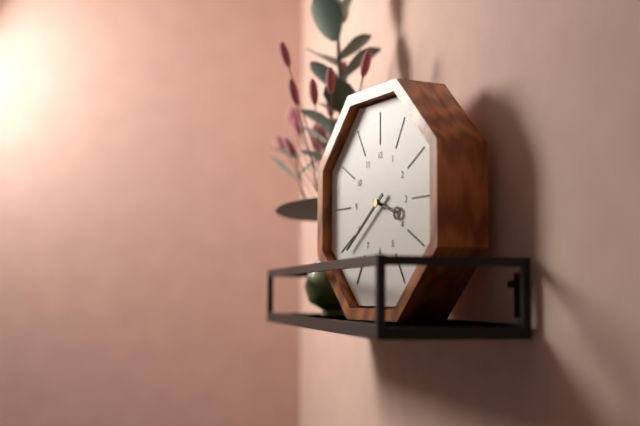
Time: {"hour": 3, "minute": 39}
